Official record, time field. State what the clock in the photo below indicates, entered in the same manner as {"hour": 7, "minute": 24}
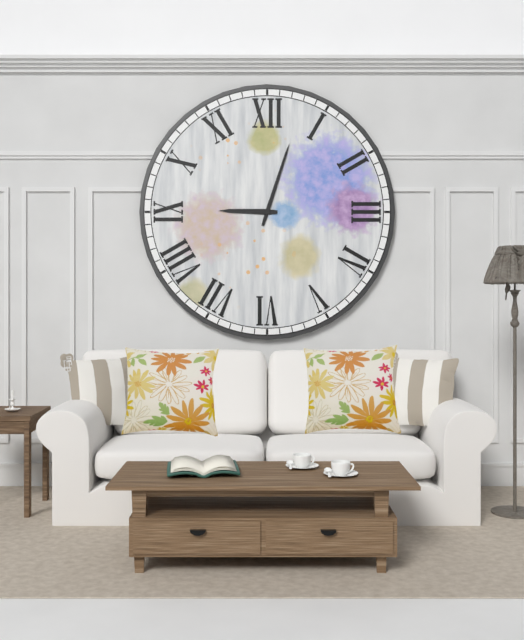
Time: {"hour": 9, "minute": 3}
